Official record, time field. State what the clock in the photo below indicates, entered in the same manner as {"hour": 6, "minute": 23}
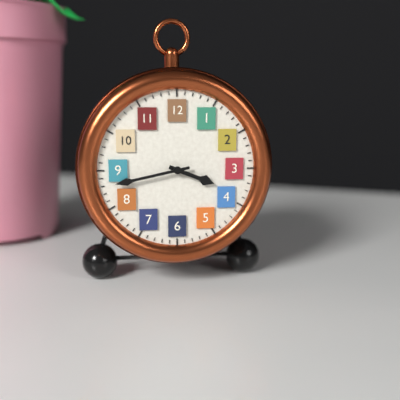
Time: {"hour": 3, "minute": 43}
